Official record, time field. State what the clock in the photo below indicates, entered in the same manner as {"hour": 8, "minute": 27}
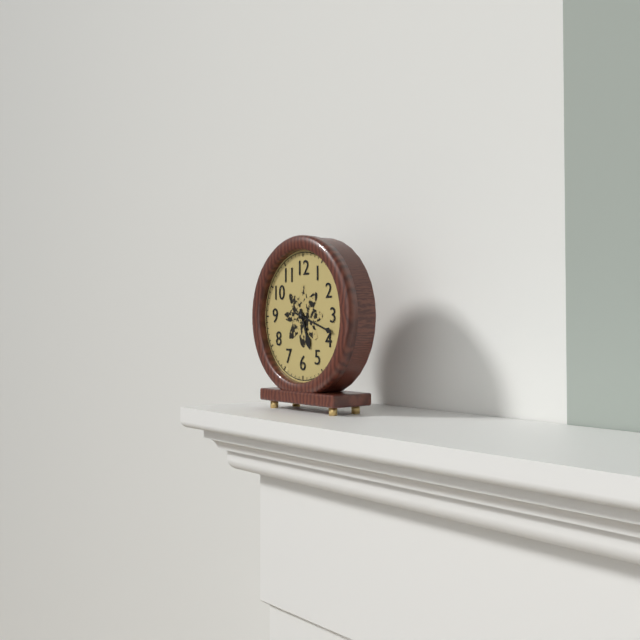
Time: {"hour": 5, "minute": 18}
